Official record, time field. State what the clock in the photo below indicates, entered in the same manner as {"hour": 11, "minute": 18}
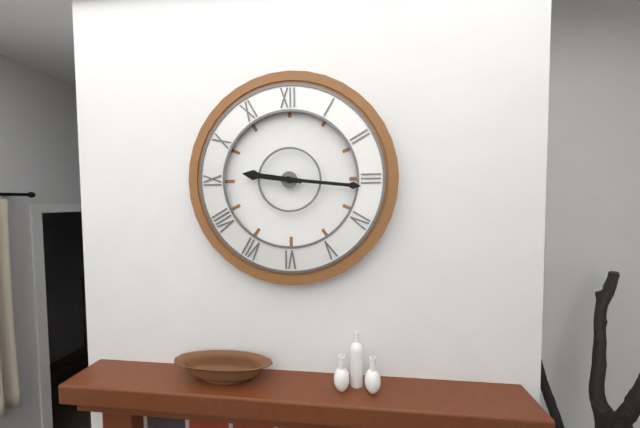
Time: {"hour": 9, "minute": 16}
